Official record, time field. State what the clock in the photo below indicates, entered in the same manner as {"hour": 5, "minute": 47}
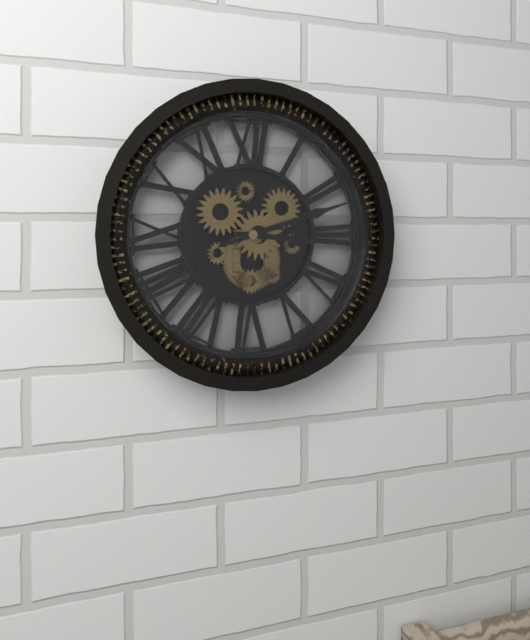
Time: {"hour": 3, "minute": 12}
